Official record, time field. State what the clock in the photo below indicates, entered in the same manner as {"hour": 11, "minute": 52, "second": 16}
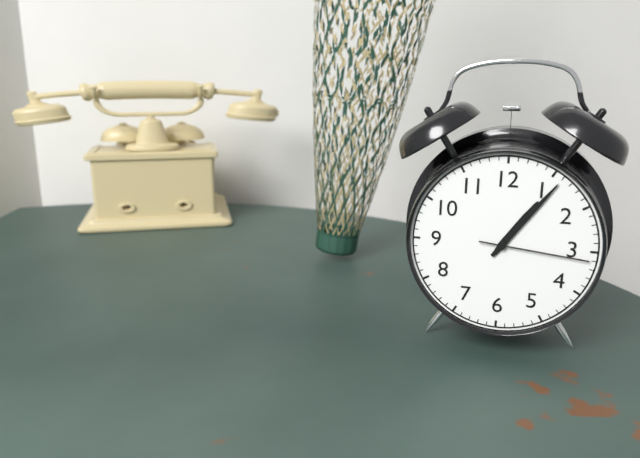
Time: {"hour": 1, "minute": 6, "second": 16}
